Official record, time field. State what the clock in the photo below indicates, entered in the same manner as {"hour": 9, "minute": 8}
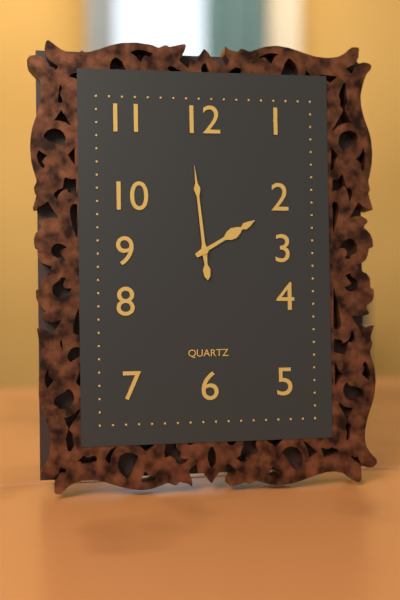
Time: {"hour": 1, "minute": 59}
